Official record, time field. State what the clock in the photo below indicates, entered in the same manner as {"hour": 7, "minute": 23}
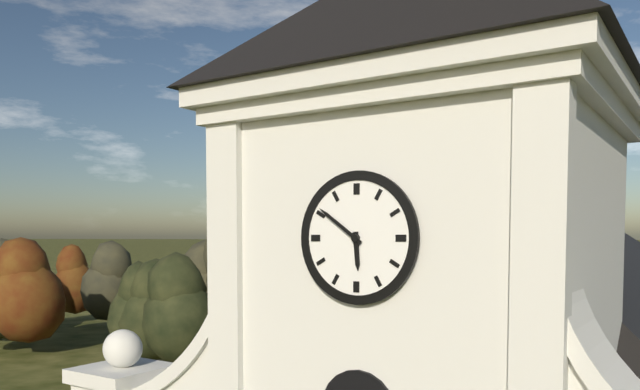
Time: {"hour": 5, "minute": 51}
